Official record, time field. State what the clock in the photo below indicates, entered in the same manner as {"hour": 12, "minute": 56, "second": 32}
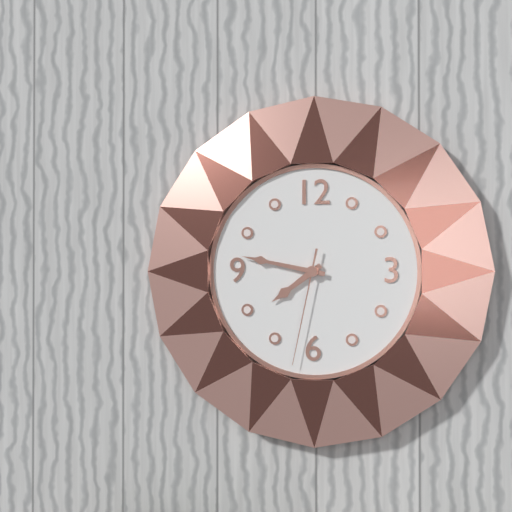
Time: {"hour": 7, "minute": 47, "second": 32}
